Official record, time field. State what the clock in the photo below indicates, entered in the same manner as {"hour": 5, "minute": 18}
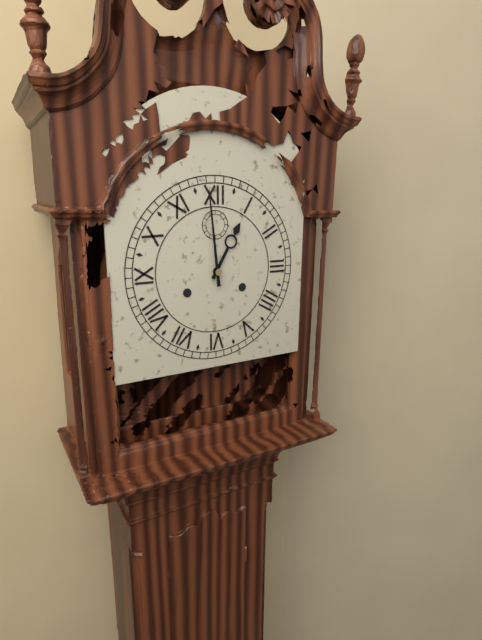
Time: {"hour": 12, "minute": 59}
